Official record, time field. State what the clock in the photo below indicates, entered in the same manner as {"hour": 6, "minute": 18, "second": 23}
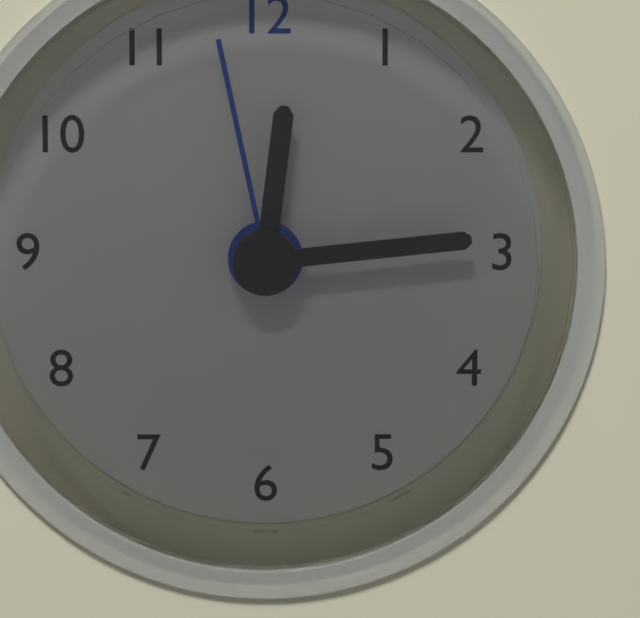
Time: {"hour": 12, "minute": 14, "second": 58}
